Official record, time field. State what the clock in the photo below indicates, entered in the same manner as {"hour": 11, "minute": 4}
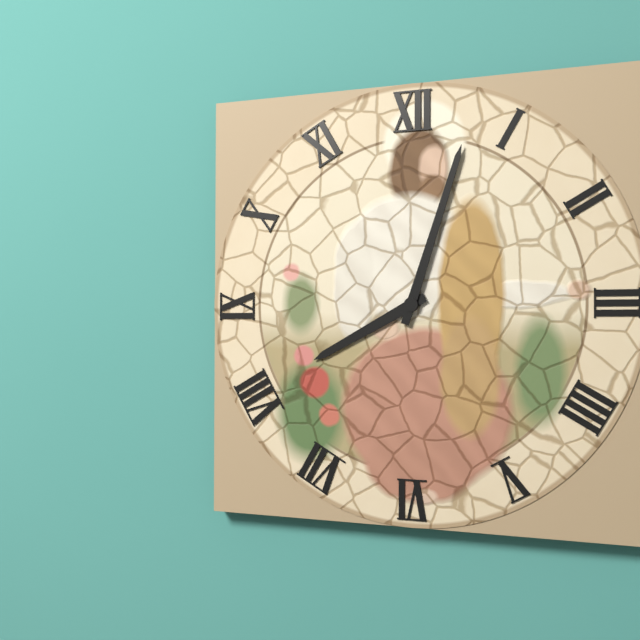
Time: {"hour": 8, "minute": 3}
